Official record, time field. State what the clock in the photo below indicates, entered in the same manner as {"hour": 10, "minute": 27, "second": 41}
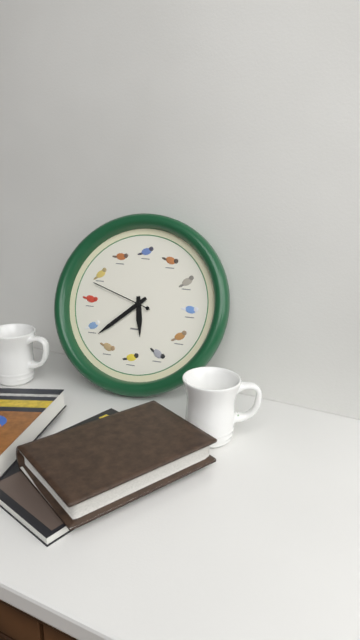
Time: {"hour": 5, "minute": 38, "second": 48}
